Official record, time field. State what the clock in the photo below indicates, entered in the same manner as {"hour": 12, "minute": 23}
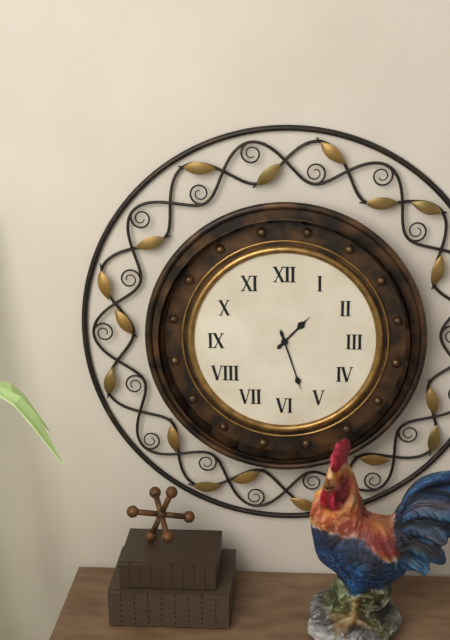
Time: {"hour": 1, "minute": 27}
